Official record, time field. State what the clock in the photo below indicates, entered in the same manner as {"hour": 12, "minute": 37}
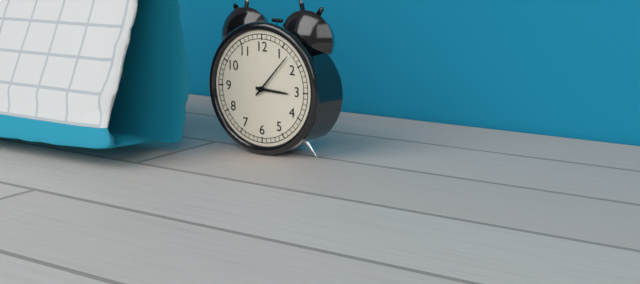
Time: {"hour": 3, "minute": 7}
